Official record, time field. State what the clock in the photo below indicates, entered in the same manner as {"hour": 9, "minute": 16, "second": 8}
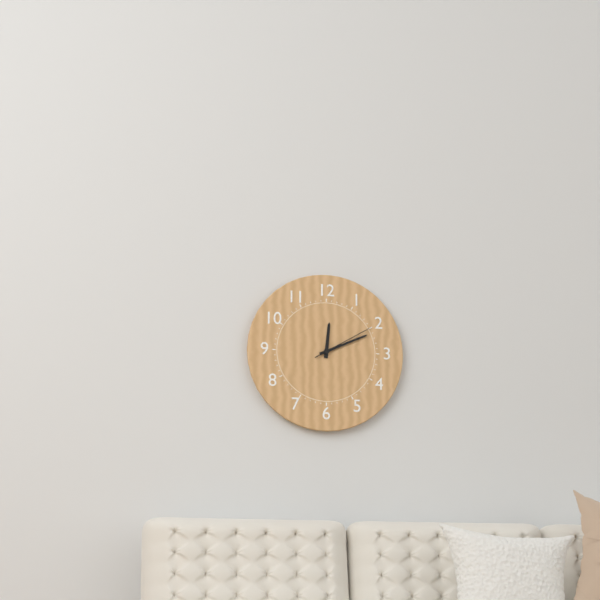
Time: {"hour": 12, "minute": 11, "second": 10}
